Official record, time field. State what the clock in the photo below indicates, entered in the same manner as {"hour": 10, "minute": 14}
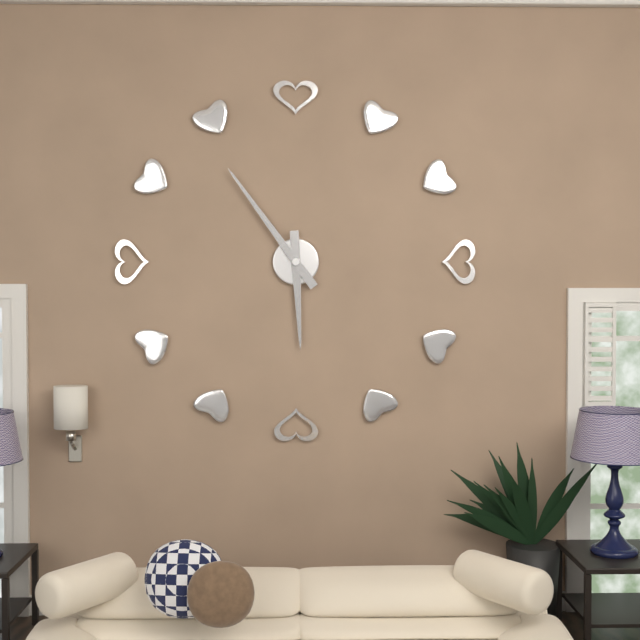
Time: {"hour": 5, "minute": 54}
